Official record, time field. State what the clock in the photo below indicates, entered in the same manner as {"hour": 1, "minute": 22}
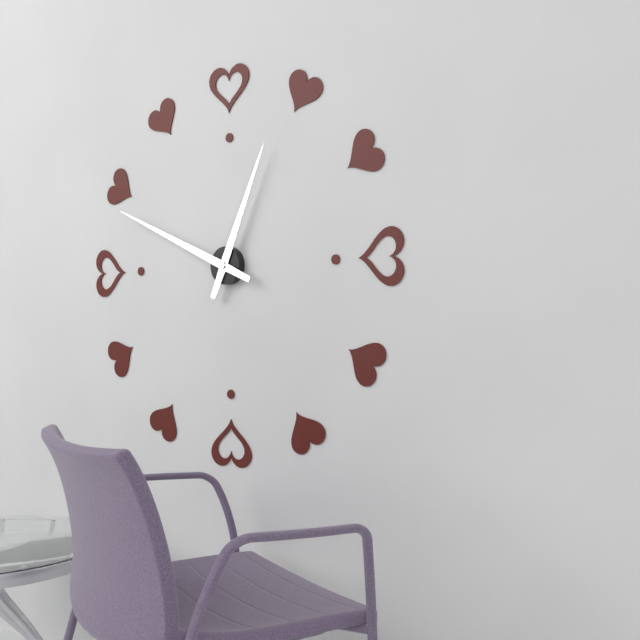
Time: {"hour": 12, "minute": 49}
